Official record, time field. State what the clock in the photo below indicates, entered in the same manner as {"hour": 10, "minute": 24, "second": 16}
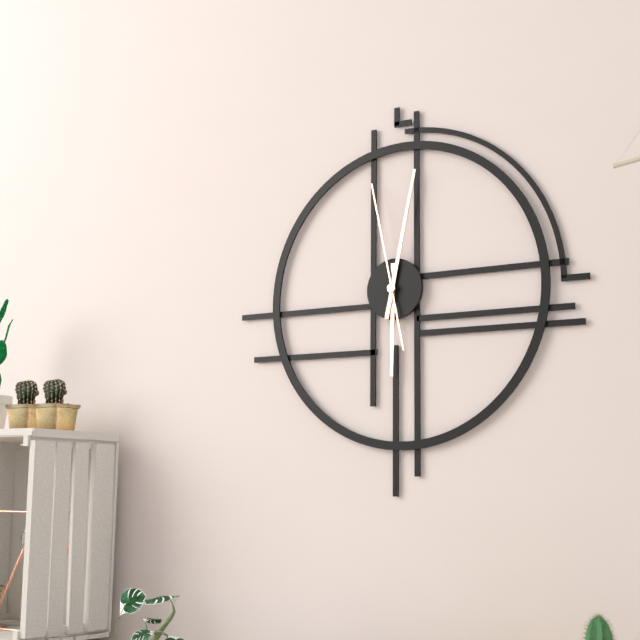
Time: {"hour": 6, "minute": 2, "second": 58}
